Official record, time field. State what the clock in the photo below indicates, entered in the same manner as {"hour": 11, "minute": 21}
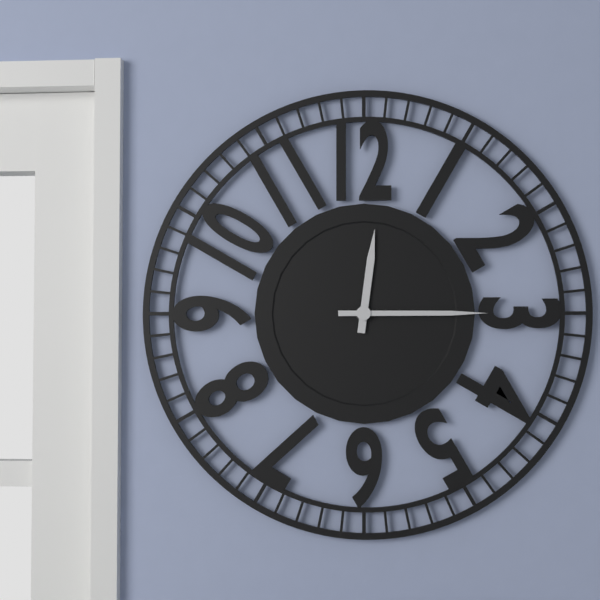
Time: {"hour": 12, "minute": 15}
